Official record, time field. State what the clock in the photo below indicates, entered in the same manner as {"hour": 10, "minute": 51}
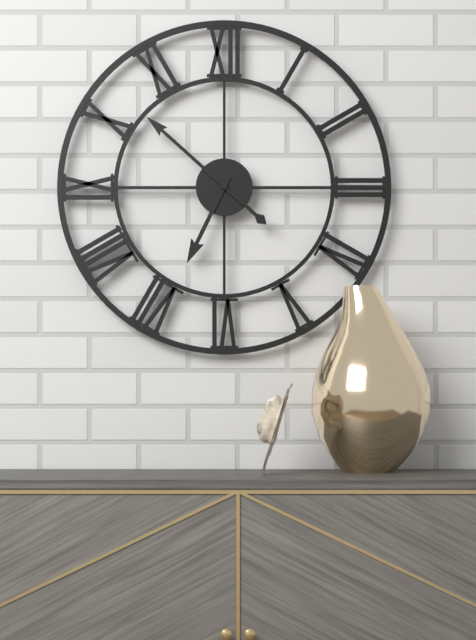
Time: {"hour": 6, "minute": 52}
